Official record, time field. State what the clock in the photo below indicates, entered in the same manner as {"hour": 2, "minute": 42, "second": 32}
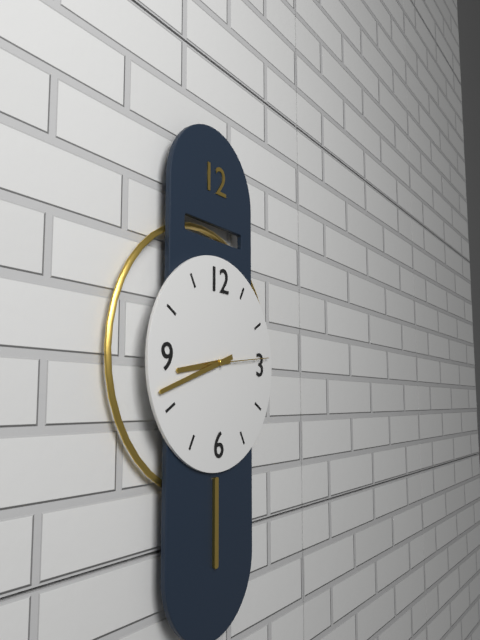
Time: {"hour": 8, "minute": 42, "second": 14}
